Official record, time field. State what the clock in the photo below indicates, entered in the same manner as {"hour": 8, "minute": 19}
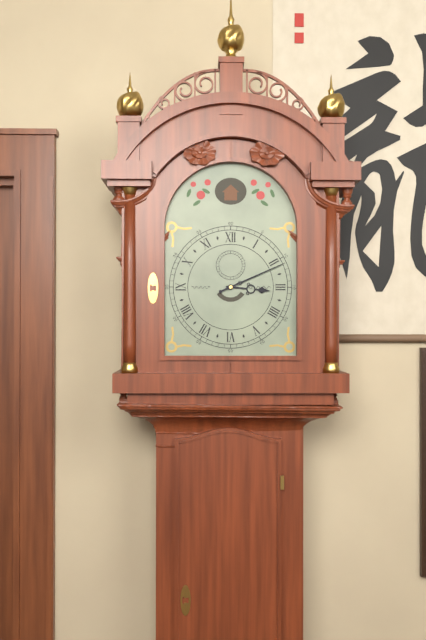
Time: {"hour": 3, "minute": 11}
